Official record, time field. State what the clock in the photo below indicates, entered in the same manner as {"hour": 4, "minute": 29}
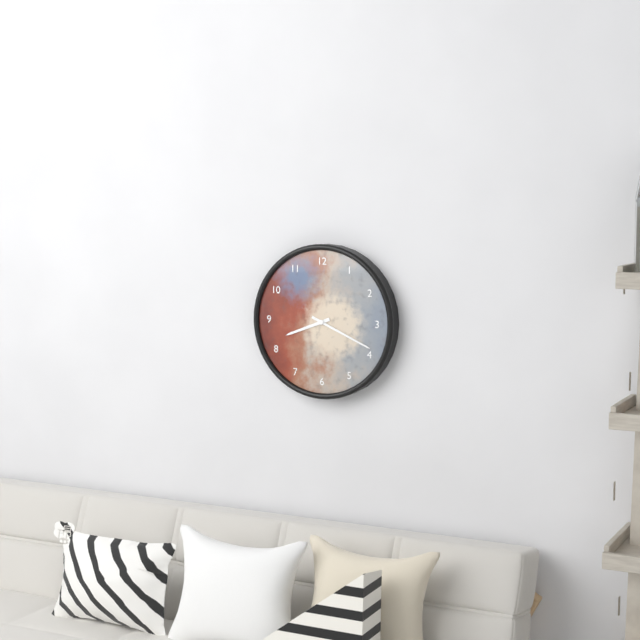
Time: {"hour": 8, "minute": 19}
